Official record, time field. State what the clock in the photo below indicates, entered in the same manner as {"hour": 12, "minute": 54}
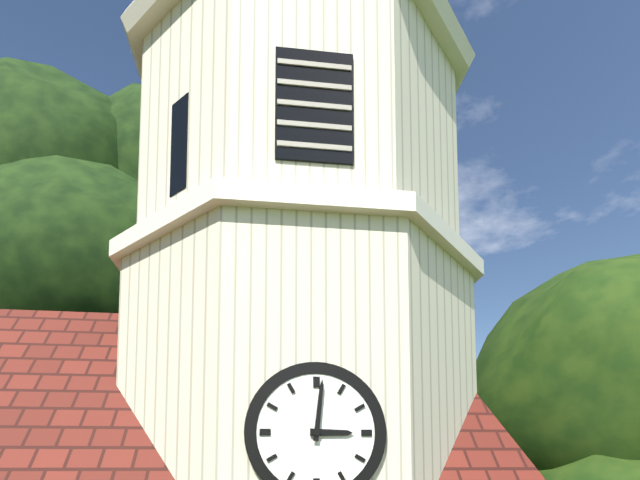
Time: {"hour": 3, "minute": 1}
